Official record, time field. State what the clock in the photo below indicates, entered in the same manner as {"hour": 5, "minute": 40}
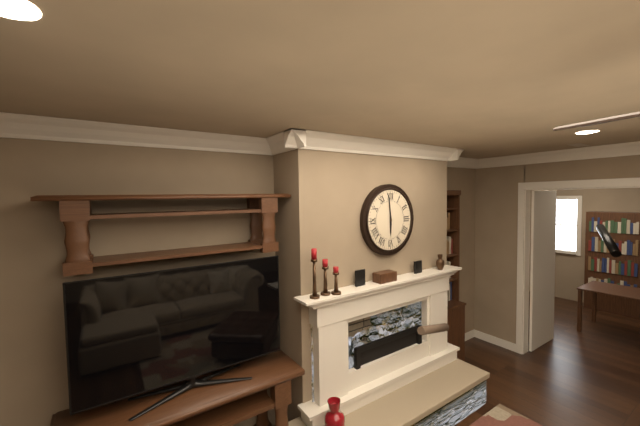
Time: {"hour": 5, "minute": 59}
